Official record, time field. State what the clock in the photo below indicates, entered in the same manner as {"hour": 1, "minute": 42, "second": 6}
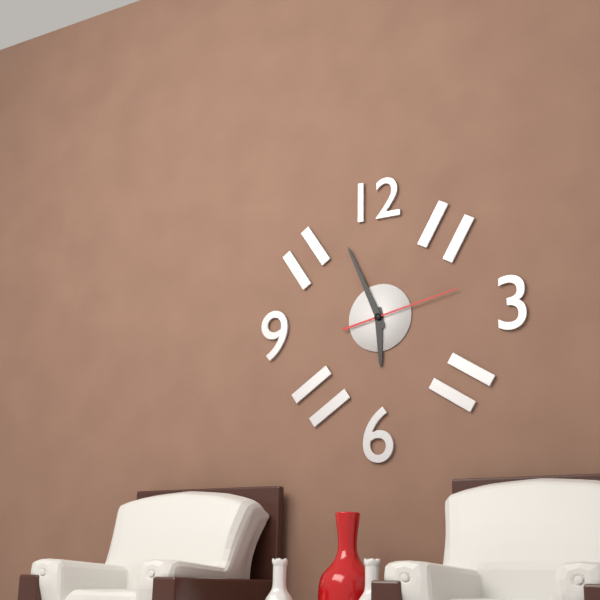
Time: {"hour": 5, "minute": 56, "second": 13}
